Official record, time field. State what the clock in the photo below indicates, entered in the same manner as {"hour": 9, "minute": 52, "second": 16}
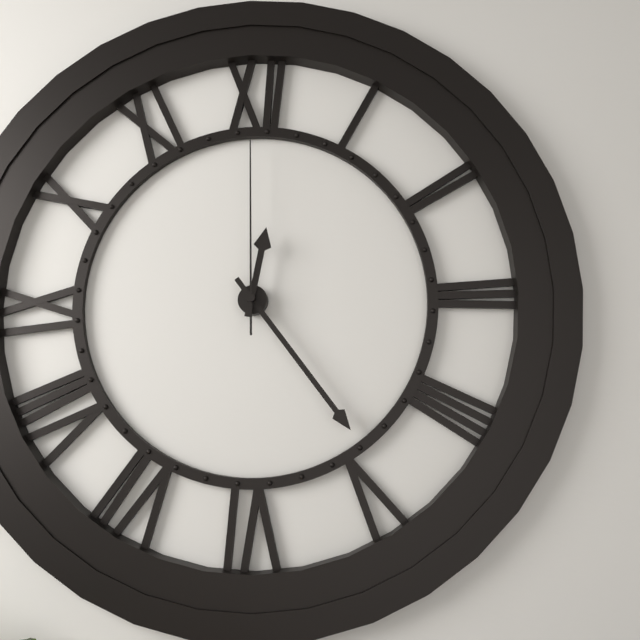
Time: {"hour": 12, "minute": 24, "second": 0}
